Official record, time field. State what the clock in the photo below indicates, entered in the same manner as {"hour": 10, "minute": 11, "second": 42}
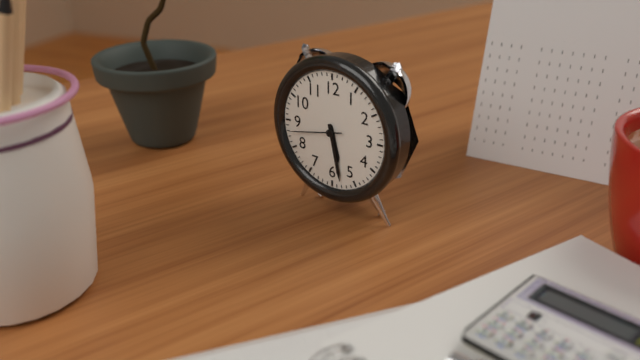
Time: {"hour": 5, "minute": 28, "second": 43}
